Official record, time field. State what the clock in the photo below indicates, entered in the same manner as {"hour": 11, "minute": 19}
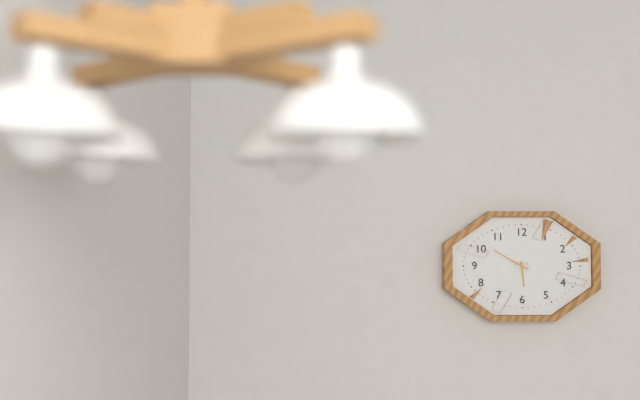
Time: {"hour": 5, "minute": 50}
